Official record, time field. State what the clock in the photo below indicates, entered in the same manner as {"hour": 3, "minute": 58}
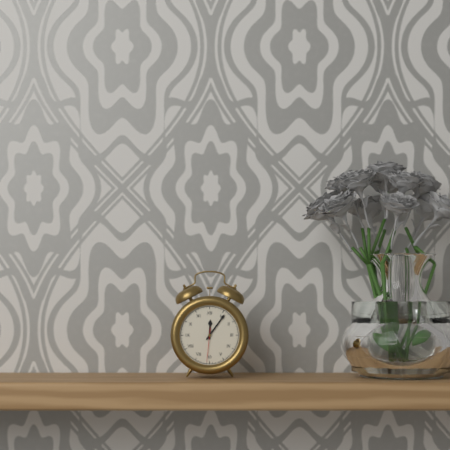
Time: {"hour": 12, "minute": 6}
